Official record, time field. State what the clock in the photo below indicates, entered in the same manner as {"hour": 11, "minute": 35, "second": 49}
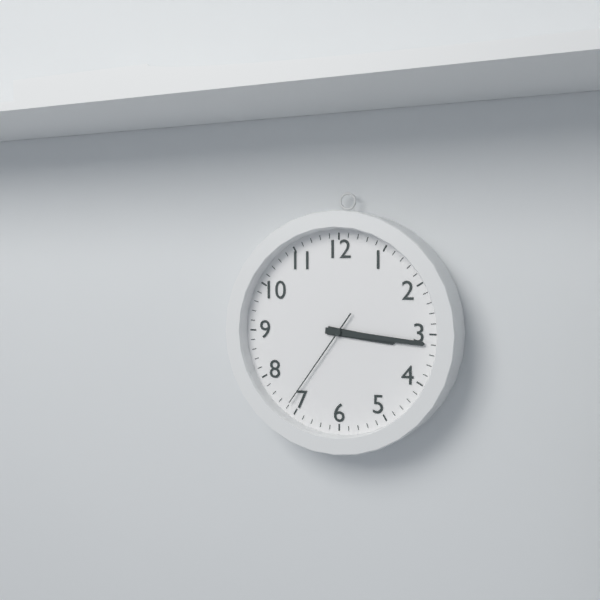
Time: {"hour": 3, "minute": 16, "second": 36}
